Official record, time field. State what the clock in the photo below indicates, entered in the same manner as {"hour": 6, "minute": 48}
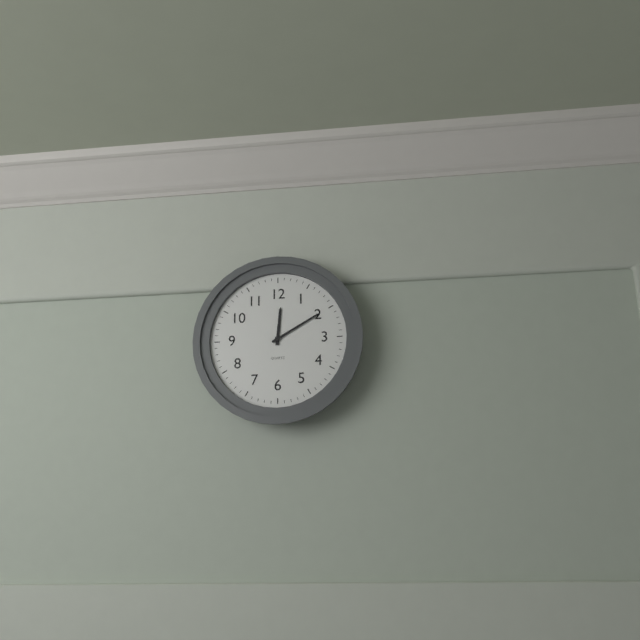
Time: {"hour": 12, "minute": 10}
